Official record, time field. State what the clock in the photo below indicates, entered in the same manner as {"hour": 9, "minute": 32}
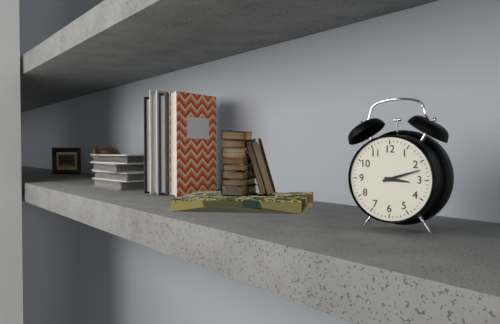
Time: {"hour": 3, "minute": 12}
